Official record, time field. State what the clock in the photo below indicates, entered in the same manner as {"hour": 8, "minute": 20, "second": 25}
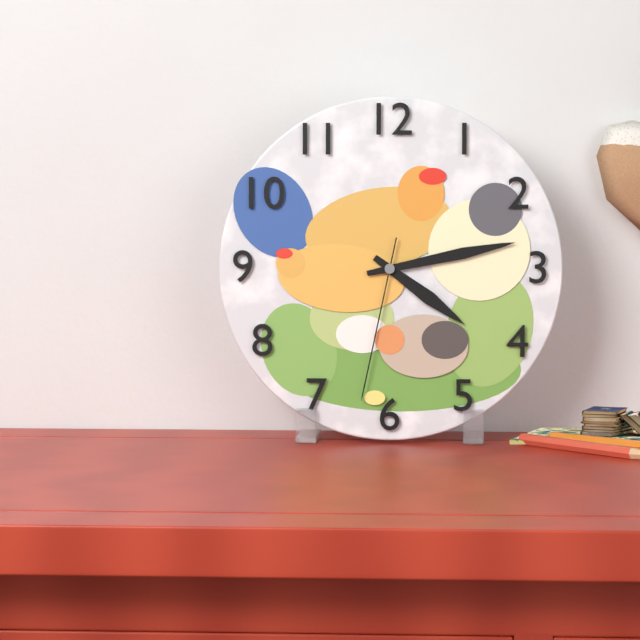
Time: {"hour": 4, "minute": 13, "second": 32}
